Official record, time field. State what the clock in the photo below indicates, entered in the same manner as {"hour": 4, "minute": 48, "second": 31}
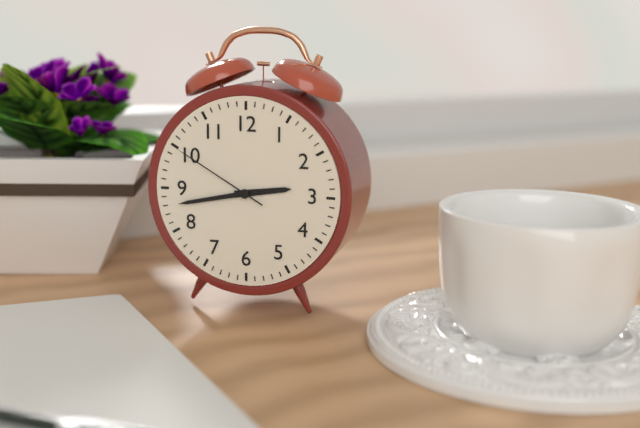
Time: {"hour": 2, "minute": 43, "second": 50}
